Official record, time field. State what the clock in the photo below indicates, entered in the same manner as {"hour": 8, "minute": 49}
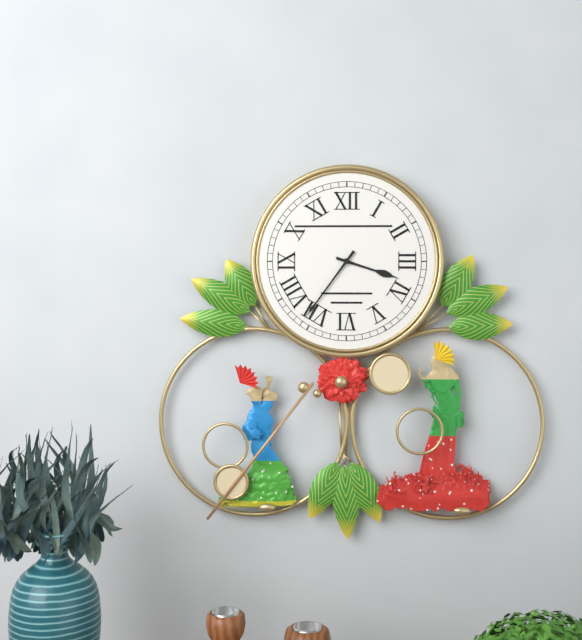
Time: {"hour": 3, "minute": 36}
